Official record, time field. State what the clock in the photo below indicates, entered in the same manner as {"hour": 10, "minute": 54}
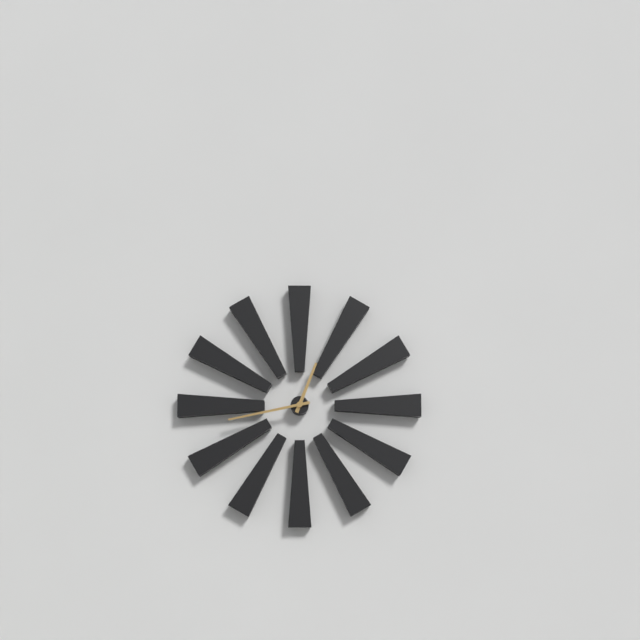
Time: {"hour": 12, "minute": 43}
